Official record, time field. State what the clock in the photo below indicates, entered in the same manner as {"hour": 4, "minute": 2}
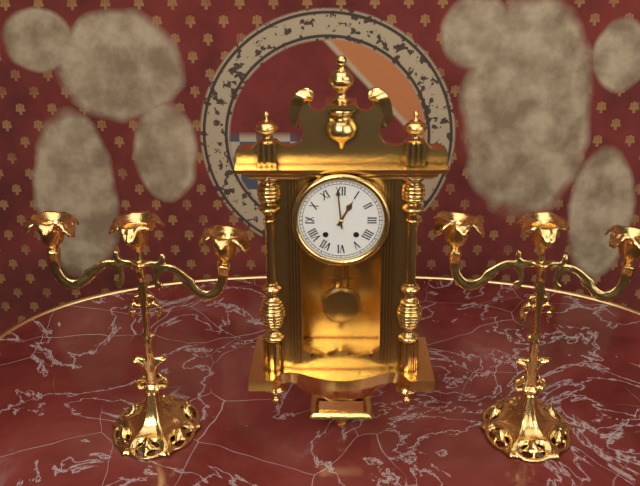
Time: {"hour": 12, "minute": 59}
